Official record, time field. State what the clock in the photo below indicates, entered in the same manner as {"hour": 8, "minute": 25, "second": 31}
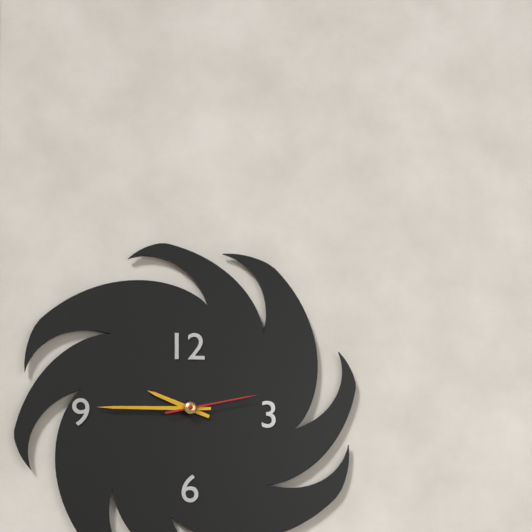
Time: {"hour": 9, "minute": 45, "second": 13}
